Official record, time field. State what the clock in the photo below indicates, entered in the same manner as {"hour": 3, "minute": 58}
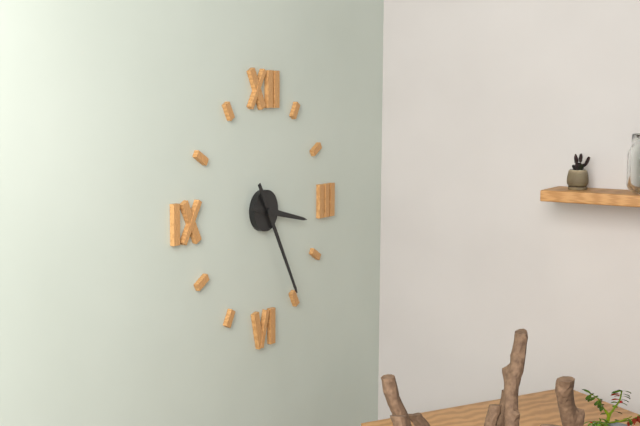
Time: {"hour": 3, "minute": 25}
